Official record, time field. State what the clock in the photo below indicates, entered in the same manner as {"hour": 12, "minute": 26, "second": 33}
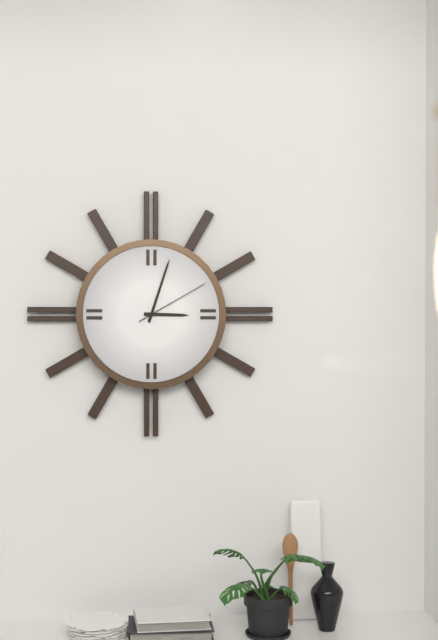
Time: {"hour": 3, "minute": 3, "second": 10}
